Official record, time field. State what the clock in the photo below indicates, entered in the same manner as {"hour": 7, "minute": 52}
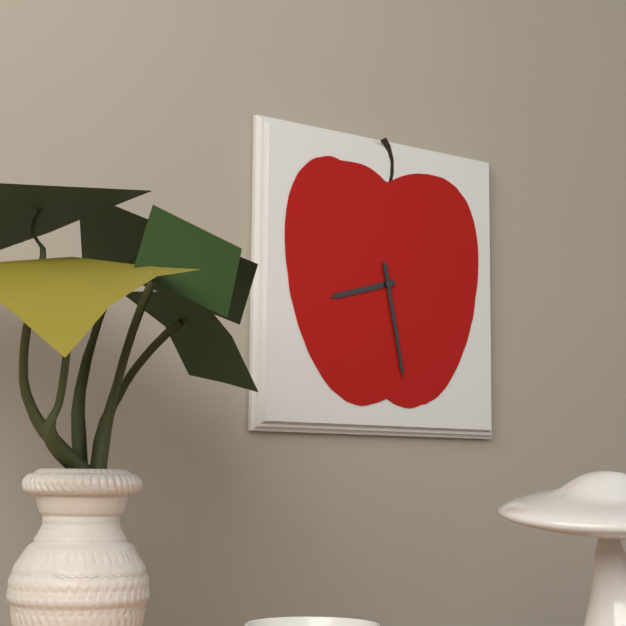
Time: {"hour": 8, "minute": 28}
